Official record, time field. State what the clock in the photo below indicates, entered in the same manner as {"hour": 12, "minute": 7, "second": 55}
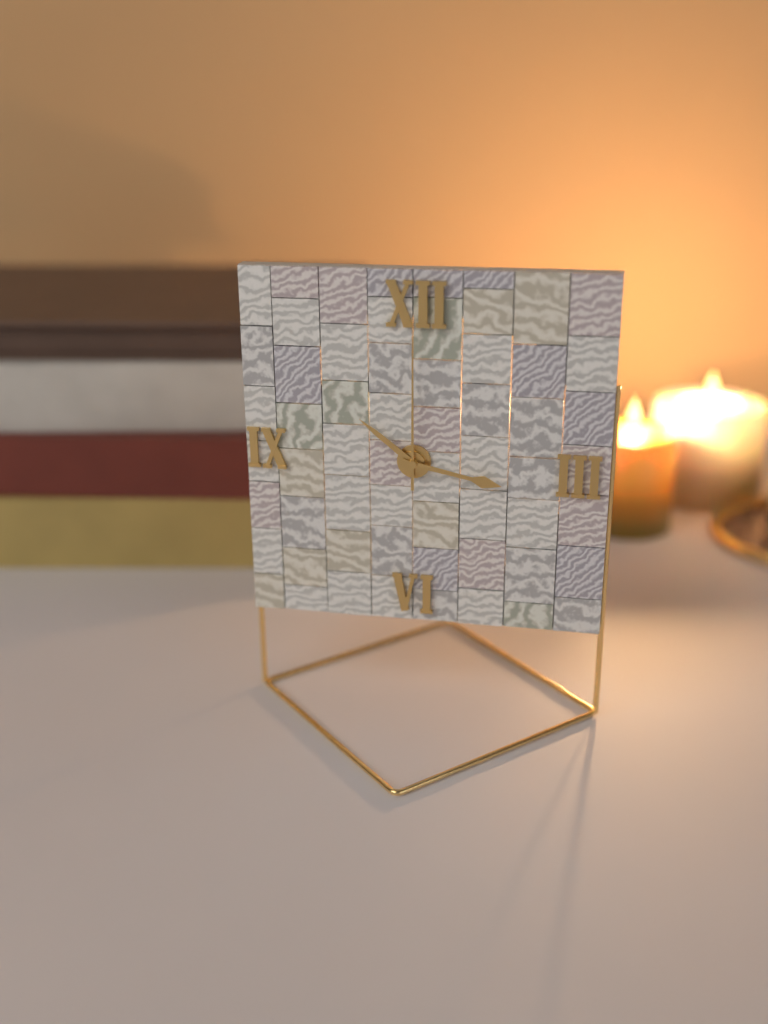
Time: {"hour": 10, "minute": 17, "second": 0}
